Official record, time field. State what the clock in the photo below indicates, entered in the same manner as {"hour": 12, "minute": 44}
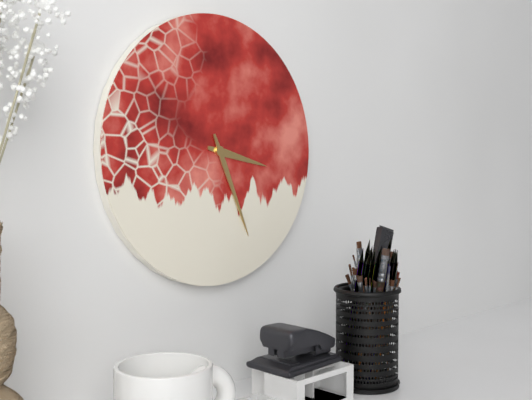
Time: {"hour": 3, "minute": 26}
